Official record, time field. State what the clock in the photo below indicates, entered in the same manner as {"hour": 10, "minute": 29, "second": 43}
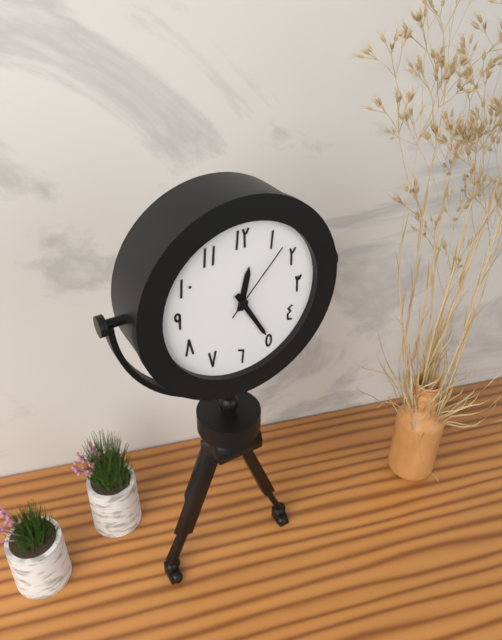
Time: {"hour": 12, "minute": 25, "second": 7}
